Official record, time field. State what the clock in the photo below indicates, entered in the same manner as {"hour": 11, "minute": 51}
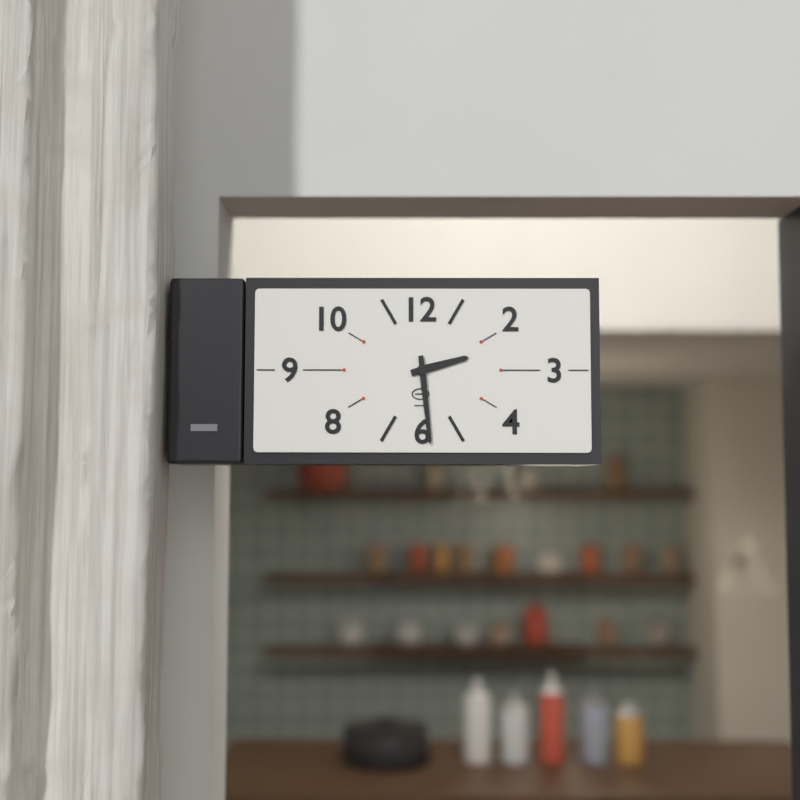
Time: {"hour": 2, "minute": 29}
